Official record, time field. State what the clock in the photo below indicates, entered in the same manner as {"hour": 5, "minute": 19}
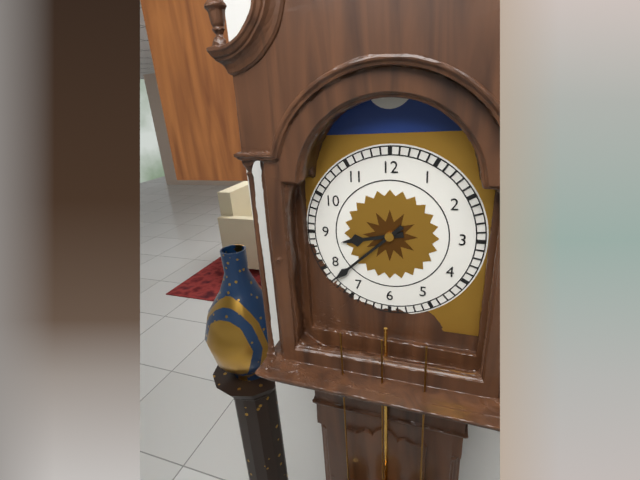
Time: {"hour": 8, "minute": 38}
